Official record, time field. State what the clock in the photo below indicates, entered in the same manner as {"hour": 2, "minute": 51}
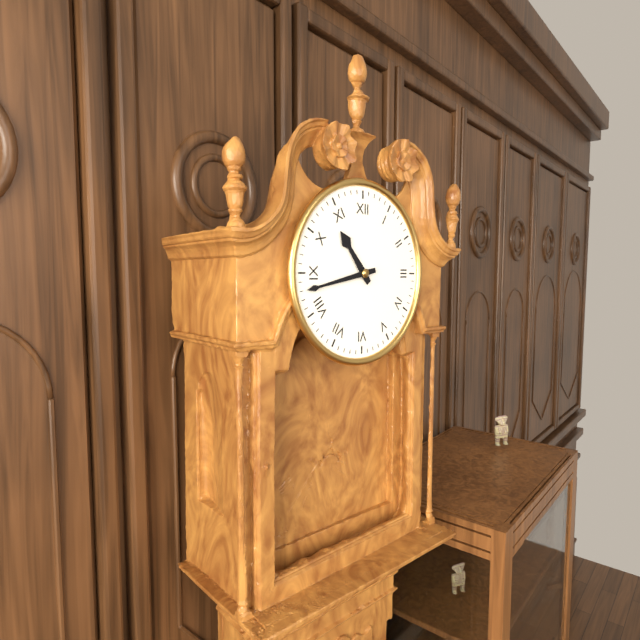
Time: {"hour": 10, "minute": 43}
